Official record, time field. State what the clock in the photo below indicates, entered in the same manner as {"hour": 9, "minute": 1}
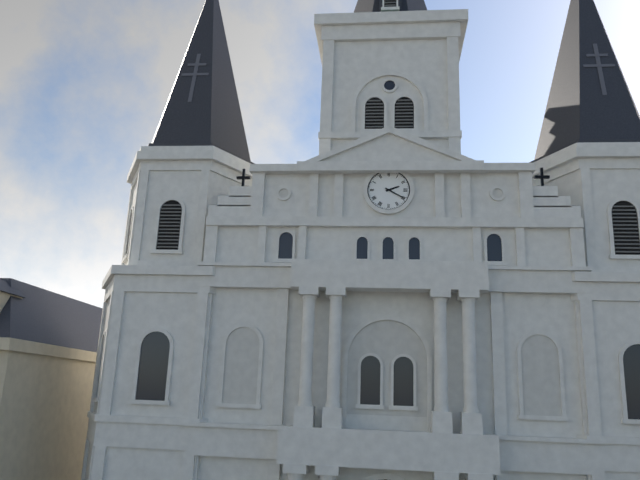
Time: {"hour": 2, "minute": 20}
